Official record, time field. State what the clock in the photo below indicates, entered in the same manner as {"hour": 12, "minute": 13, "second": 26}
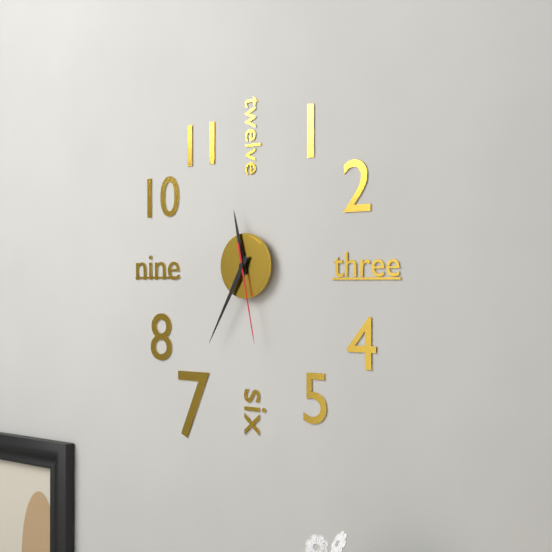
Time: {"hour": 11, "minute": 35, "second": 28}
